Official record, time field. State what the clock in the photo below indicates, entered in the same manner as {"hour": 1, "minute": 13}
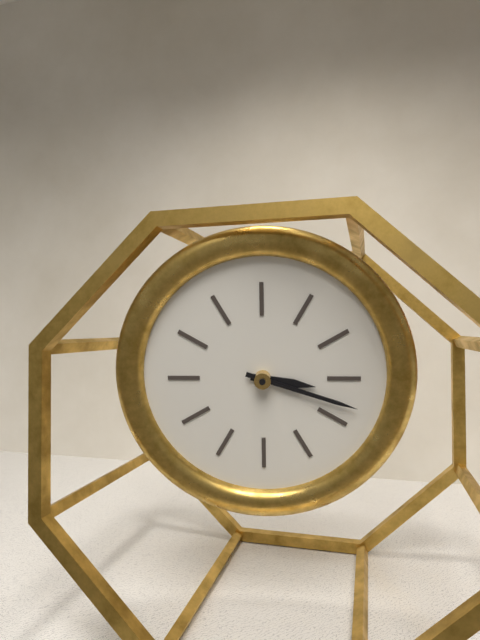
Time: {"hour": 3, "minute": 18}
